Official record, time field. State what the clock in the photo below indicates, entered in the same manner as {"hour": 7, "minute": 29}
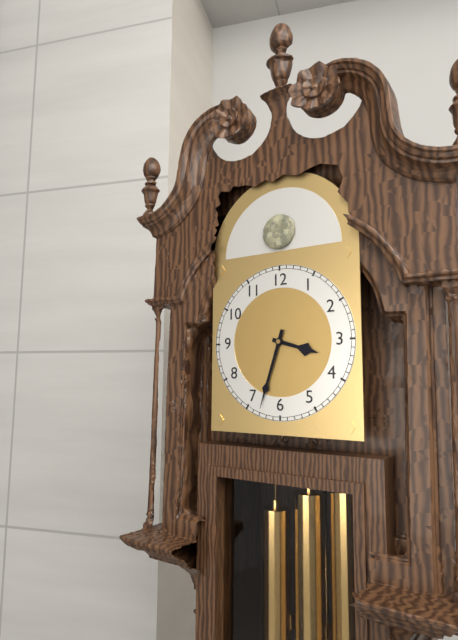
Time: {"hour": 3, "minute": 33}
